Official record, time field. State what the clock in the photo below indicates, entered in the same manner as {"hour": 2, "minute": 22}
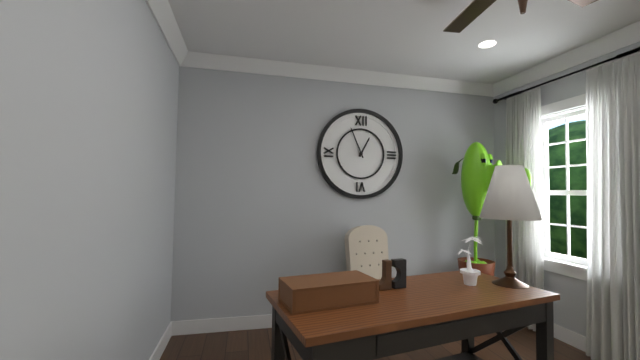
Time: {"hour": 12, "minute": 56}
